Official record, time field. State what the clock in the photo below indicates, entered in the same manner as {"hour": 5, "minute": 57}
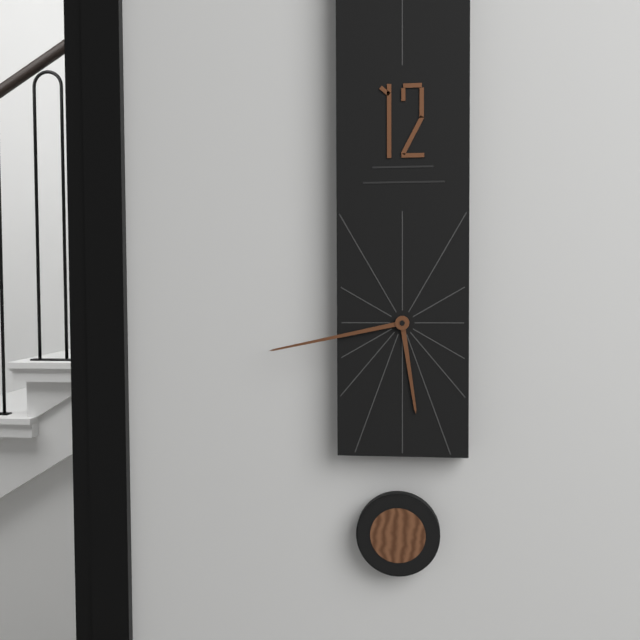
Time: {"hour": 5, "minute": 43}
